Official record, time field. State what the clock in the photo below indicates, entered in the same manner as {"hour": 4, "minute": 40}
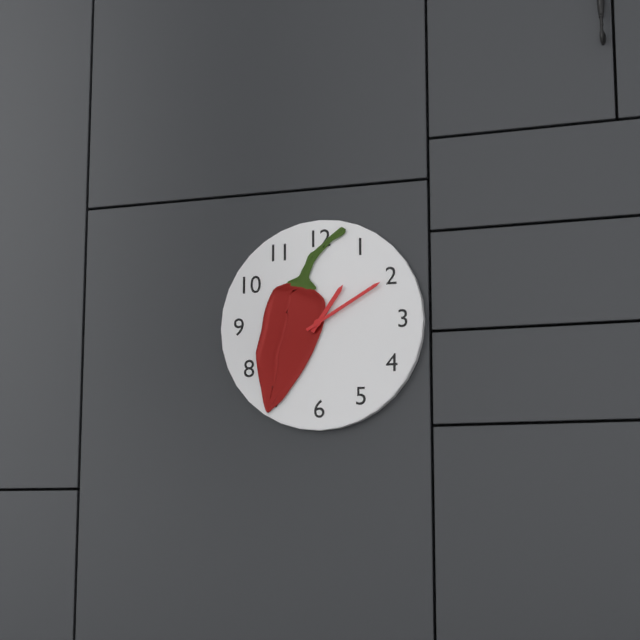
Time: {"hour": 1, "minute": 10}
